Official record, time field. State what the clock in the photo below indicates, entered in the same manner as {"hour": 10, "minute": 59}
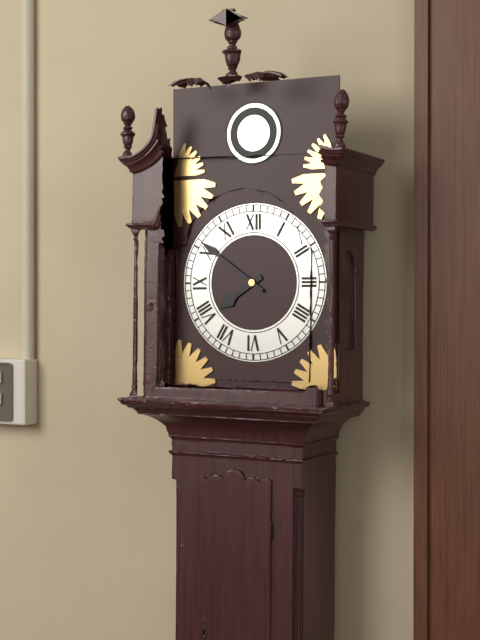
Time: {"hour": 7, "minute": 51}
